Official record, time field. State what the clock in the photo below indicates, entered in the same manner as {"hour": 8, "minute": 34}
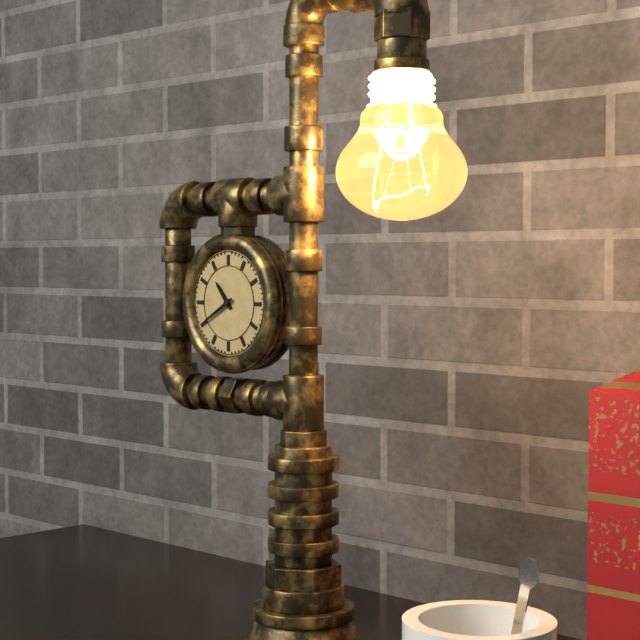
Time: {"hour": 10, "minute": 40}
